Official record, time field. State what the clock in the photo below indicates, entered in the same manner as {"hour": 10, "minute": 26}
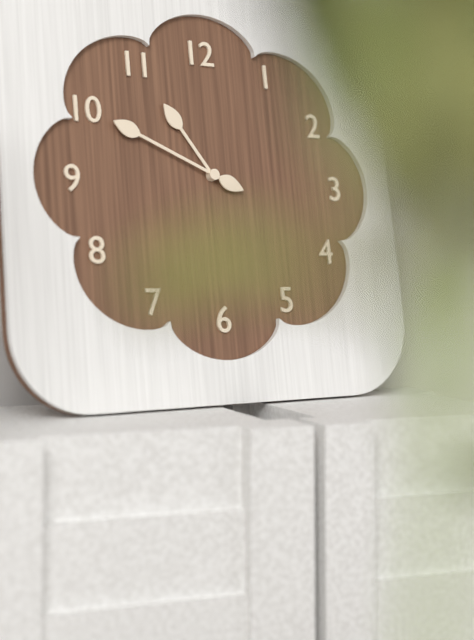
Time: {"hour": 10, "minute": 49}
